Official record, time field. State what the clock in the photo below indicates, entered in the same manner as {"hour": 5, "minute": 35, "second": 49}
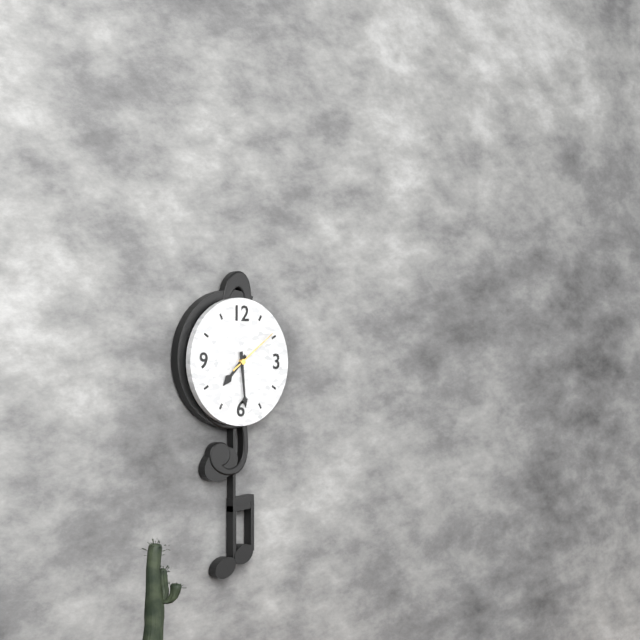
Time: {"hour": 7, "minute": 29, "second": 9}
